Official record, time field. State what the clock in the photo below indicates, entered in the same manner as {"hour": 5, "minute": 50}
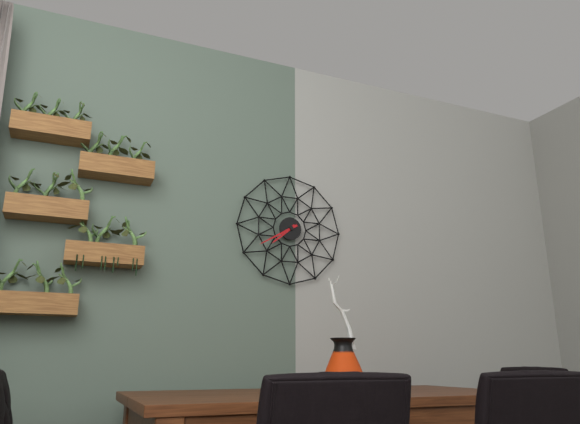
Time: {"hour": 7, "minute": 40}
